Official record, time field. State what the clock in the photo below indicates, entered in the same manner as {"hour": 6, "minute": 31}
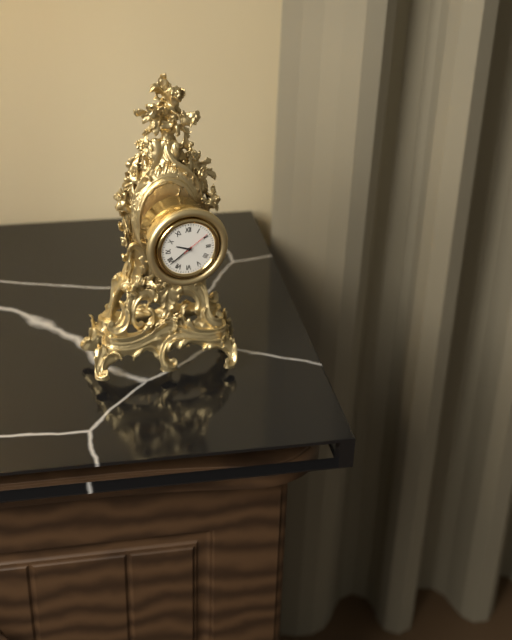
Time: {"hour": 9, "minute": 39}
